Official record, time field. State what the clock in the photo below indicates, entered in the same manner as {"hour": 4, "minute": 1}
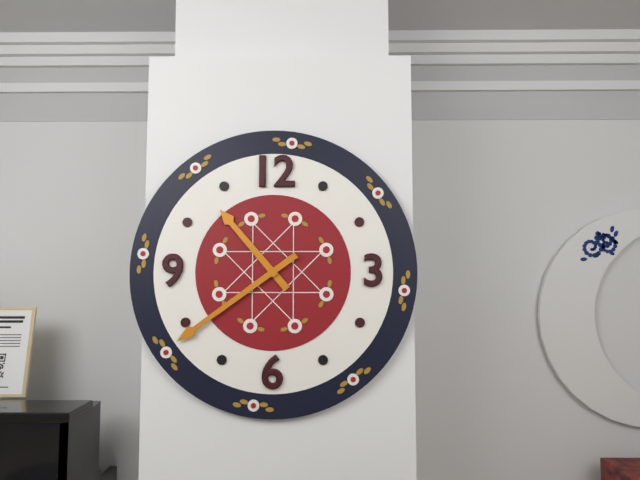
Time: {"hour": 10, "minute": 39}
